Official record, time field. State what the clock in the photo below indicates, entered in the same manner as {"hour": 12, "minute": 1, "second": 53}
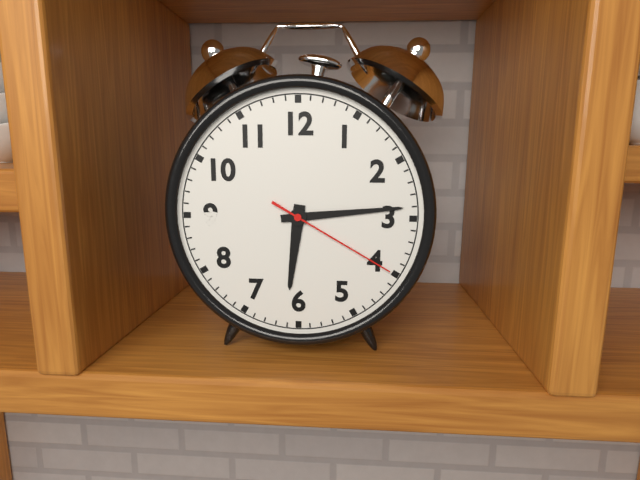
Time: {"hour": 6, "minute": 14, "second": 20}
